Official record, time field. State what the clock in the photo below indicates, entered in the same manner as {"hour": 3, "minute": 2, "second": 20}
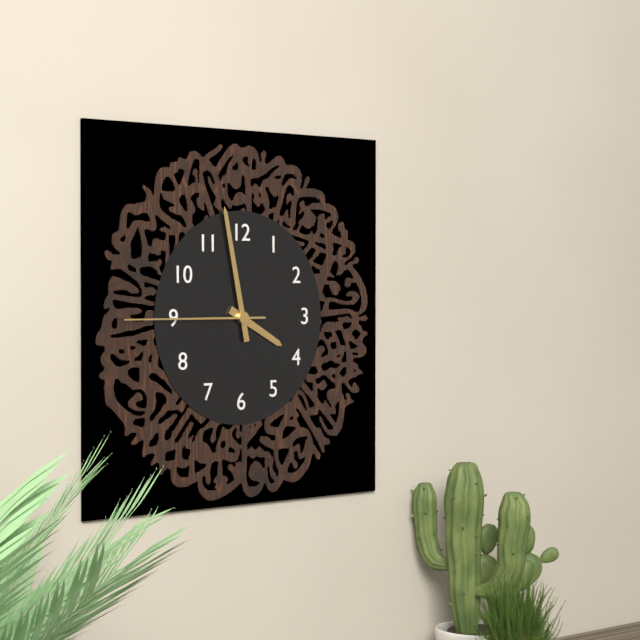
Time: {"hour": 3, "minute": 58, "second": 45}
